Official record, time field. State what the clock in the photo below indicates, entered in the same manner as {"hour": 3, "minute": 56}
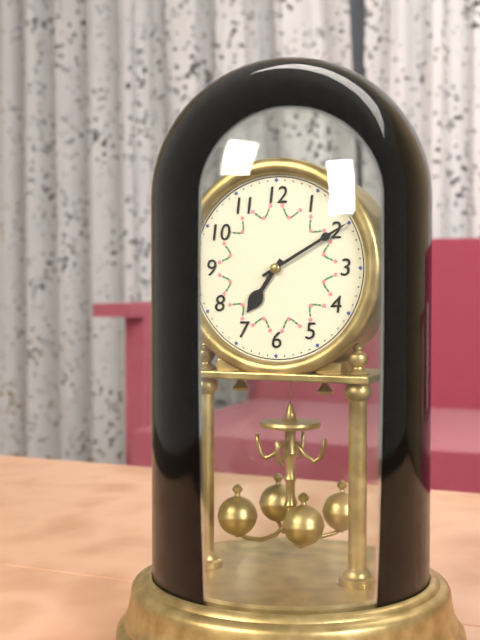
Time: {"hour": 7, "minute": 10}
